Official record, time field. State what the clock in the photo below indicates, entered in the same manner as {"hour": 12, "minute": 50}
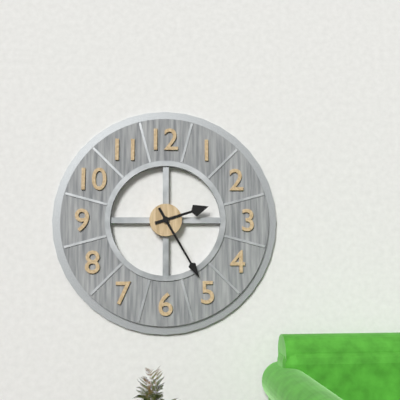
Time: {"hour": 2, "minute": 25}
